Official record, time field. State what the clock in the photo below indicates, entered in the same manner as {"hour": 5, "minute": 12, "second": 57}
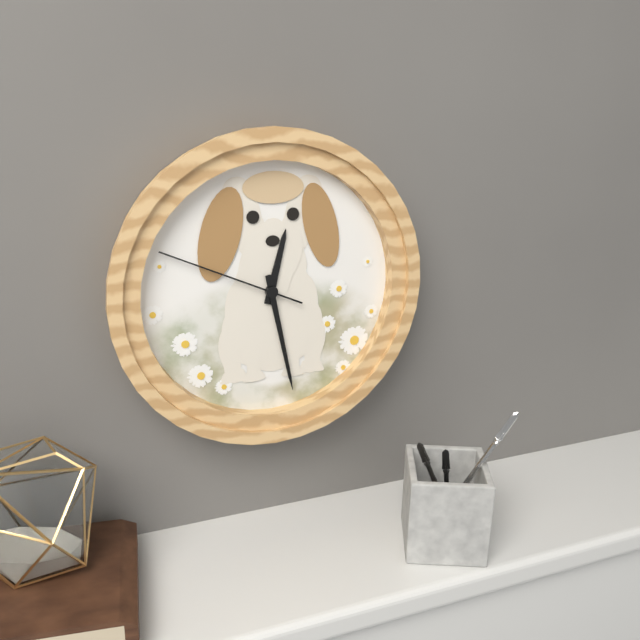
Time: {"hour": 12, "minute": 28, "second": 49}
